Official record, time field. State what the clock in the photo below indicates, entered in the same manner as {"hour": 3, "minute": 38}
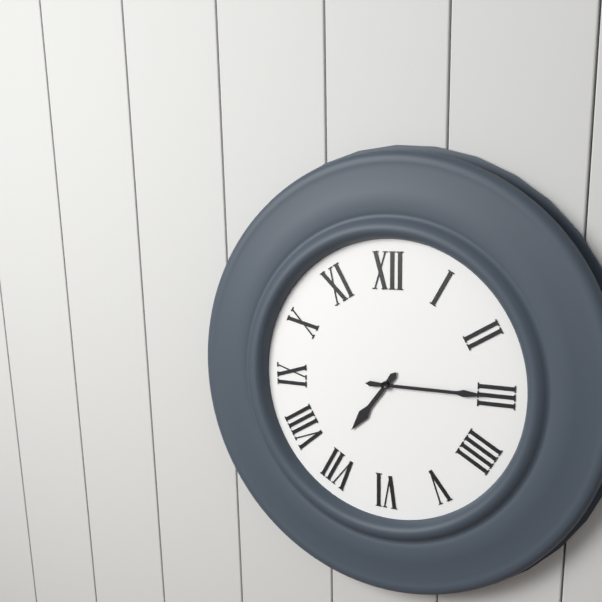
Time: {"hour": 7, "minute": 15}
